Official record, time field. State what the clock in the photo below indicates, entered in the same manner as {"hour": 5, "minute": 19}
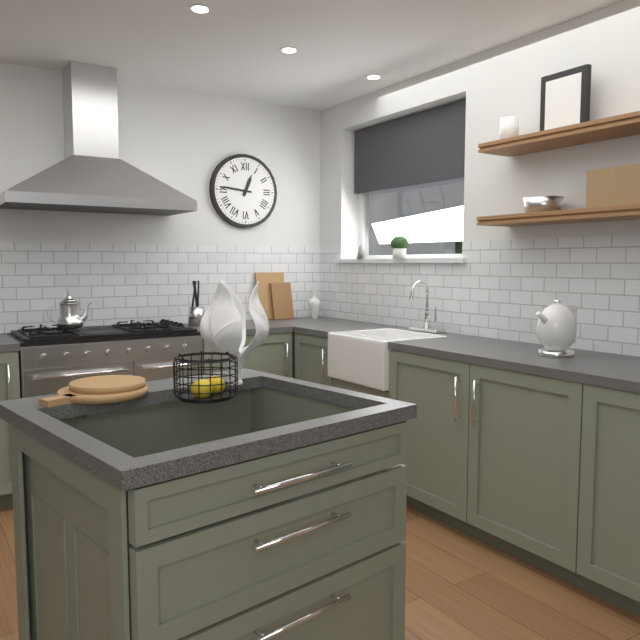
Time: {"hour": 12, "minute": 46}
